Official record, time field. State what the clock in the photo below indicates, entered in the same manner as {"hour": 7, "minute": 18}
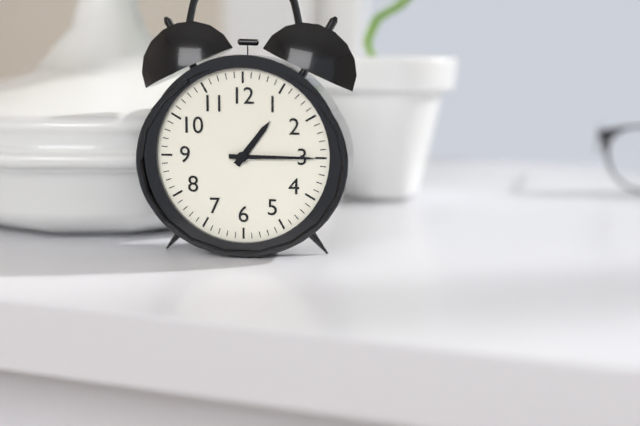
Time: {"hour": 1, "minute": 15}
